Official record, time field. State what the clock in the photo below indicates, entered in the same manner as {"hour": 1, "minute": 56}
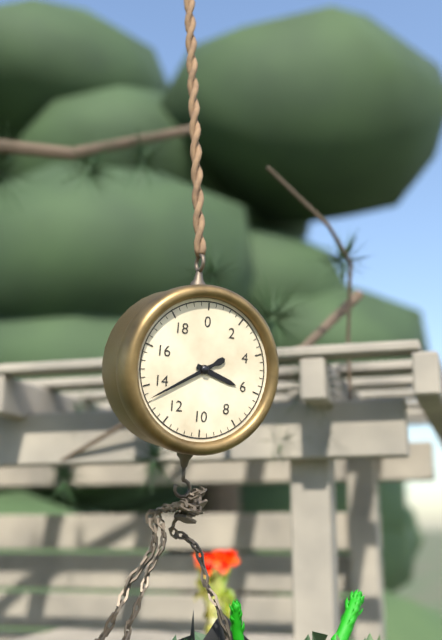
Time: {"hour": 3, "minute": 40}
